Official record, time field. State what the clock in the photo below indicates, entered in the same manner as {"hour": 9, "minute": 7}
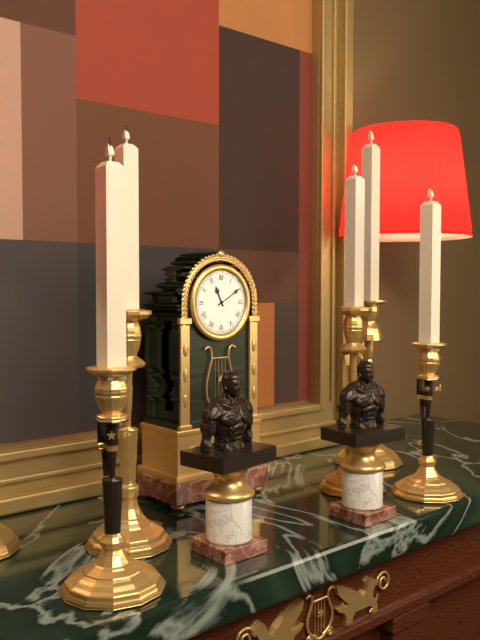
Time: {"hour": 11, "minute": 10}
